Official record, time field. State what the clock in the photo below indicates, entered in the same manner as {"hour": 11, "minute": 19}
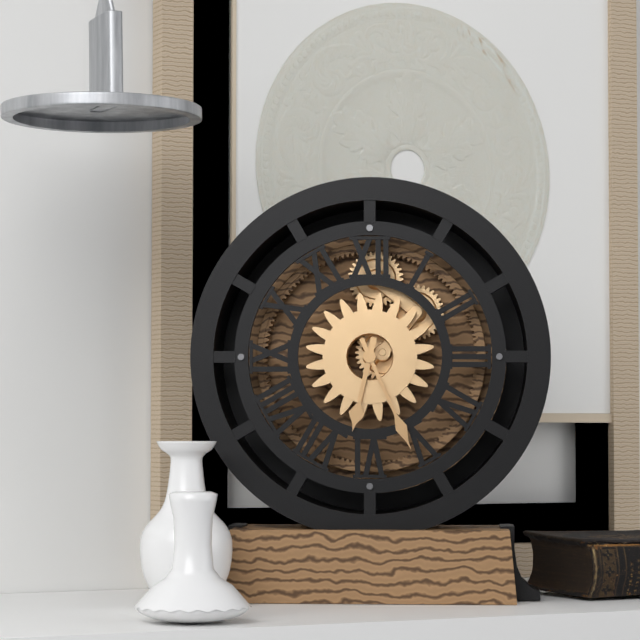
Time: {"hour": 6, "minute": 26}
